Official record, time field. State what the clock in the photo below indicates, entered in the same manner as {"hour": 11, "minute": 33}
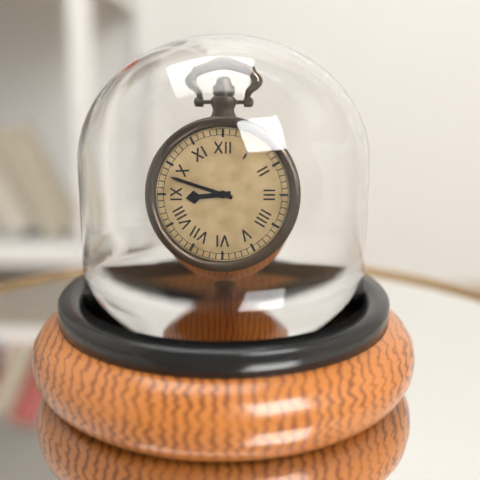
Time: {"hour": 8, "minute": 48}
